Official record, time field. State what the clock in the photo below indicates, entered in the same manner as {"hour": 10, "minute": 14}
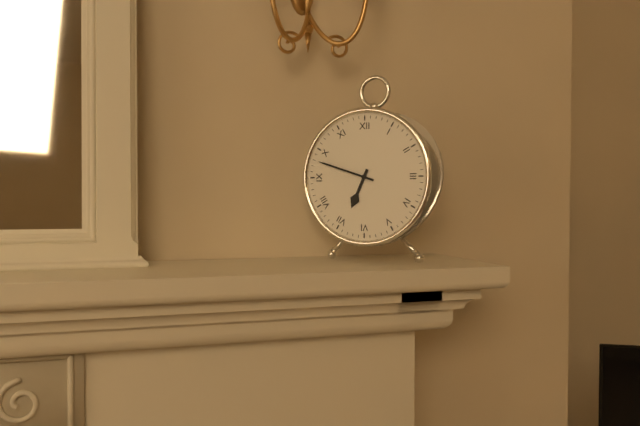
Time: {"hour": 6, "minute": 48}
